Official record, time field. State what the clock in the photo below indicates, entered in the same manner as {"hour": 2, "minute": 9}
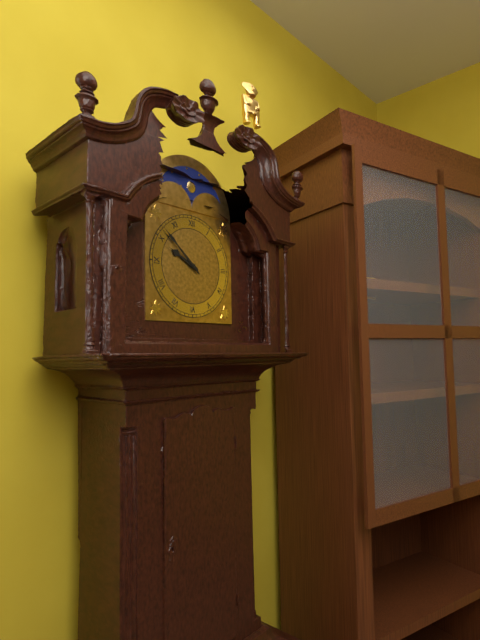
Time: {"hour": 9, "minute": 52}
